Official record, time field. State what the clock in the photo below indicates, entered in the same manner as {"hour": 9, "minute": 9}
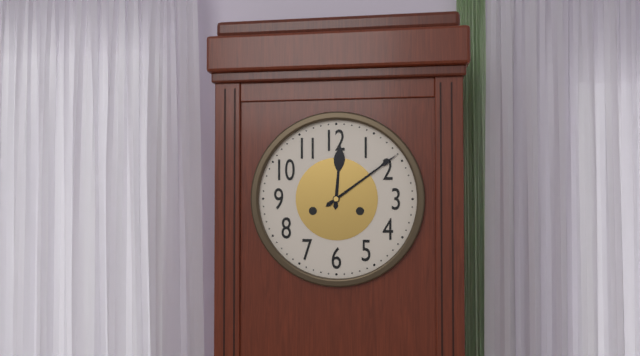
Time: {"hour": 12, "minute": 9}
